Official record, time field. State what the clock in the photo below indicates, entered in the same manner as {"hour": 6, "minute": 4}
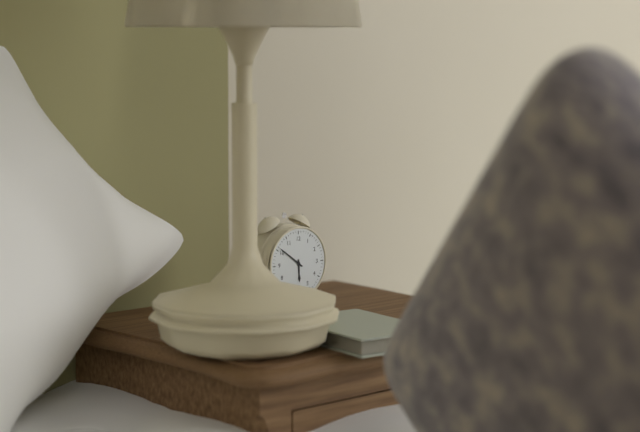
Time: {"hour": 5, "minute": 51}
